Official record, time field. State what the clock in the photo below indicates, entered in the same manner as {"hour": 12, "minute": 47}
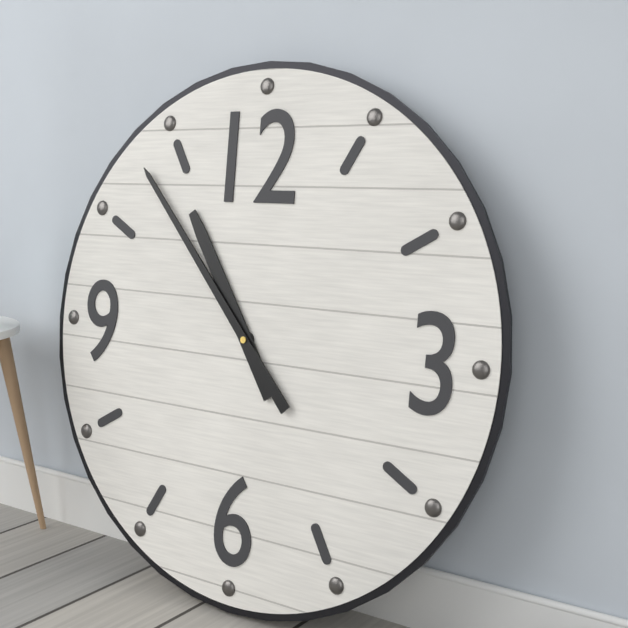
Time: {"hour": 10, "minute": 53}
